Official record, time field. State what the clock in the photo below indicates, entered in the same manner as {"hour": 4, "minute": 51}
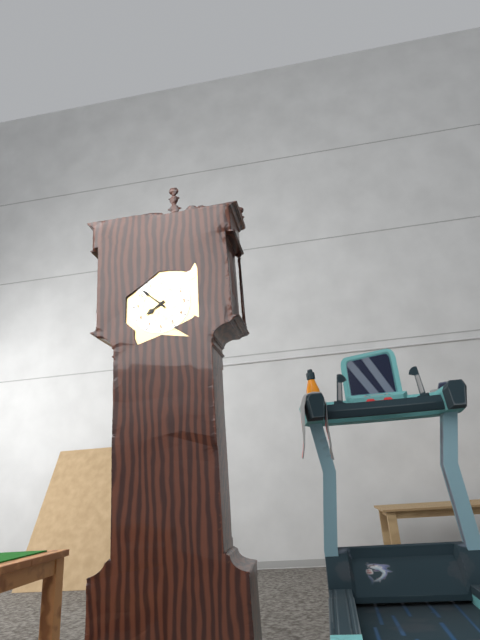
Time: {"hour": 7, "minute": 52}
